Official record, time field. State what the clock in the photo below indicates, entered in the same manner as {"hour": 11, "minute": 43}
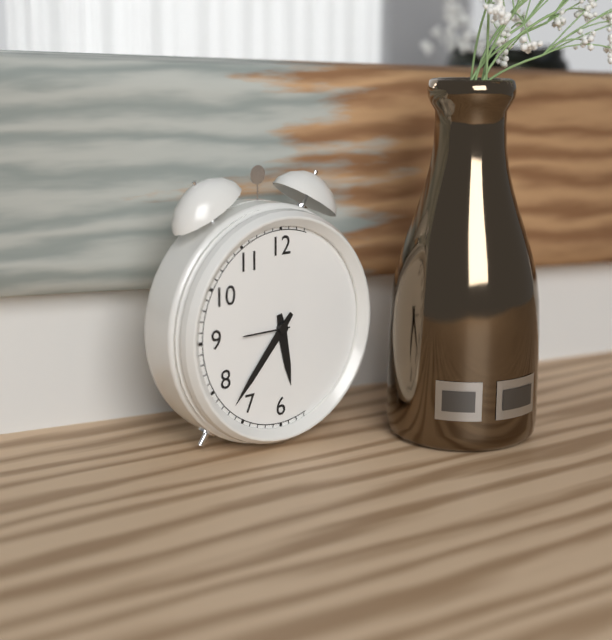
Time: {"hour": 5, "minute": 37}
